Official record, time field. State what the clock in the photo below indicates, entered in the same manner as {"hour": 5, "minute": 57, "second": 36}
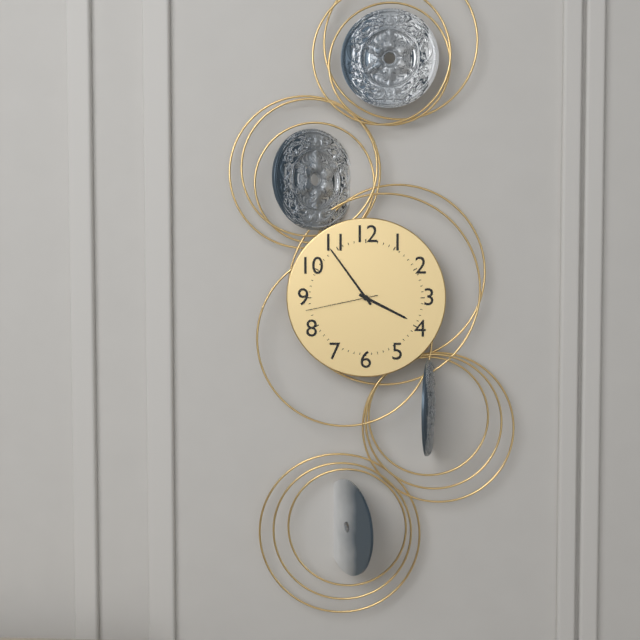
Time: {"hour": 3, "minute": 54, "second": 43}
